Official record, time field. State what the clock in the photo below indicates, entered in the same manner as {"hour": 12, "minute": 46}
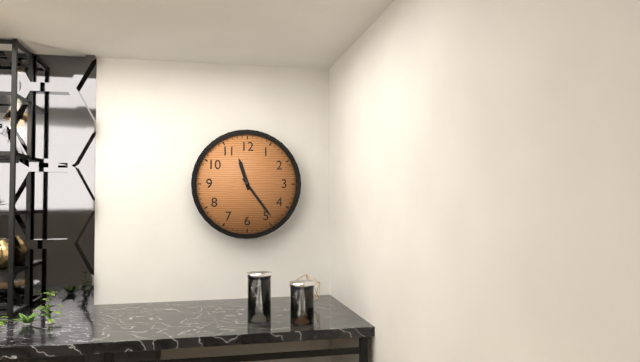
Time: {"hour": 11, "minute": 24}
